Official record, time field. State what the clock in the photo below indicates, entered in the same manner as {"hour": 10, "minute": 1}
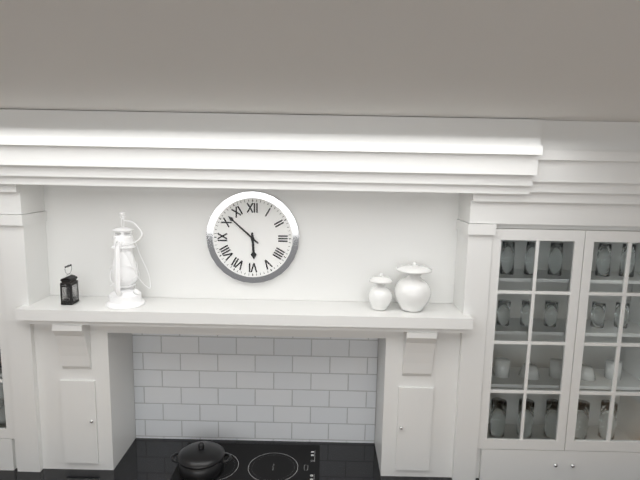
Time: {"hour": 5, "minute": 52}
